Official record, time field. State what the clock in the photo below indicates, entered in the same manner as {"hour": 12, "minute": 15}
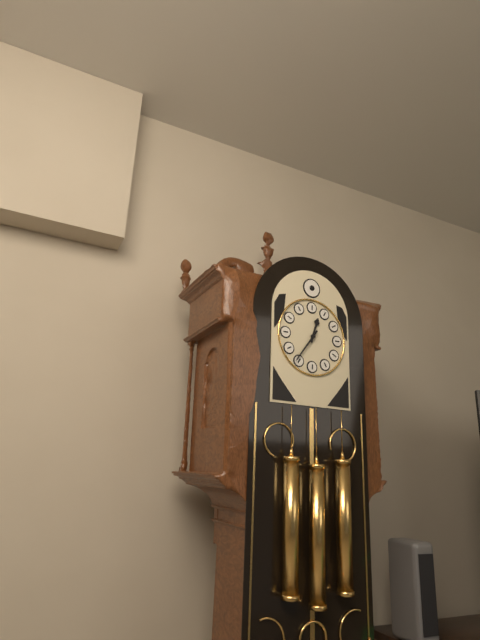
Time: {"hour": 12, "minute": 36}
